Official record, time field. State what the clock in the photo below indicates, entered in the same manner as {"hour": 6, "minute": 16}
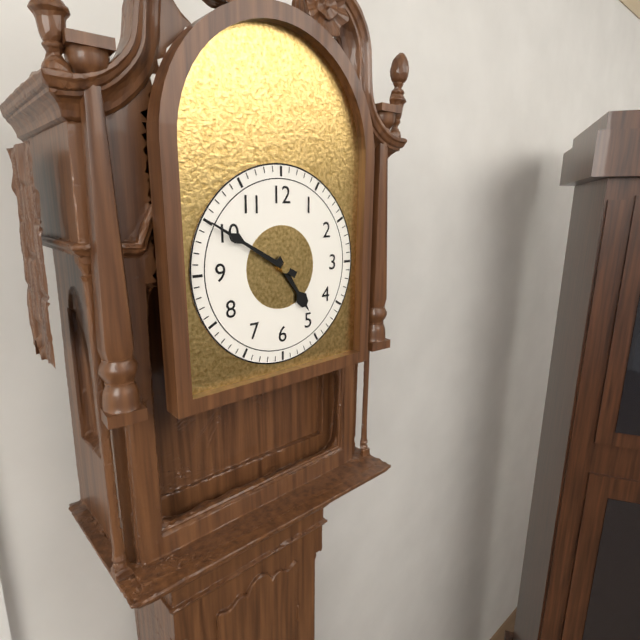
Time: {"hour": 4, "minute": 50}
